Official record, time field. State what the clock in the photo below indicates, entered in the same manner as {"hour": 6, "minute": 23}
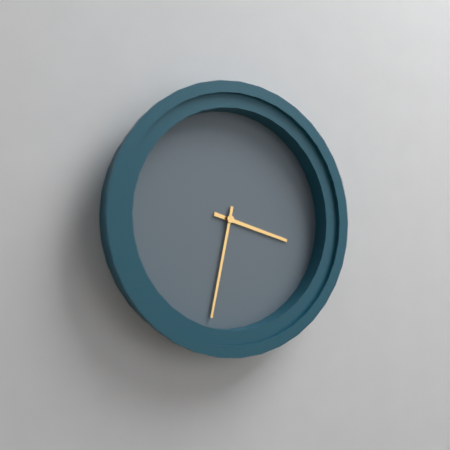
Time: {"hour": 3, "minute": 32}
